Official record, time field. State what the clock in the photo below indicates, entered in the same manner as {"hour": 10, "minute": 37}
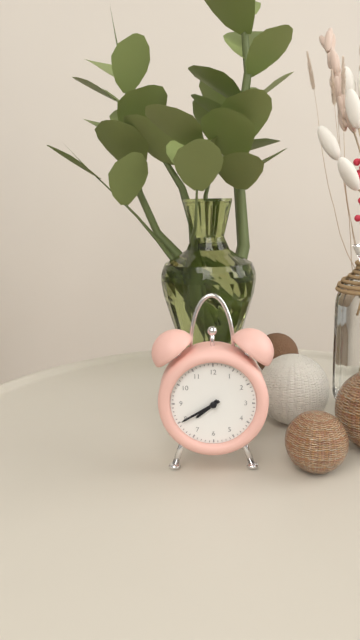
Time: {"hour": 7, "minute": 40}
